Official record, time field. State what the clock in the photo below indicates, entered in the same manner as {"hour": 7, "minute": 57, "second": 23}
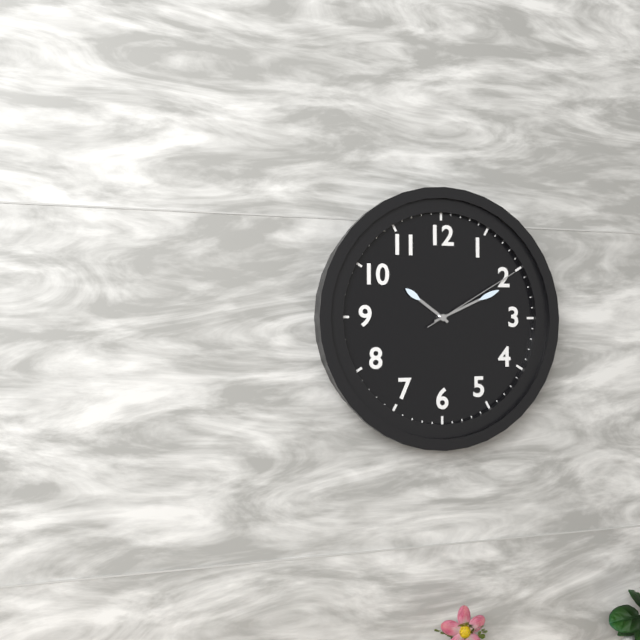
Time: {"hour": 10, "minute": 11, "second": 10}
